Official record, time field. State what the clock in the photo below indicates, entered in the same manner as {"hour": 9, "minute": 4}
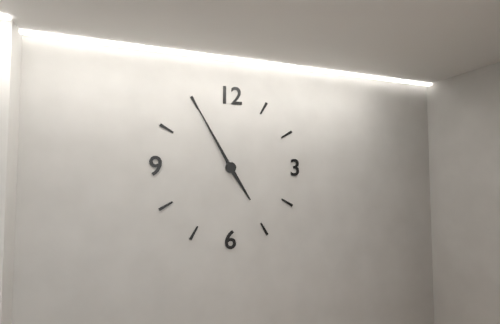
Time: {"hour": 4, "minute": 55}
